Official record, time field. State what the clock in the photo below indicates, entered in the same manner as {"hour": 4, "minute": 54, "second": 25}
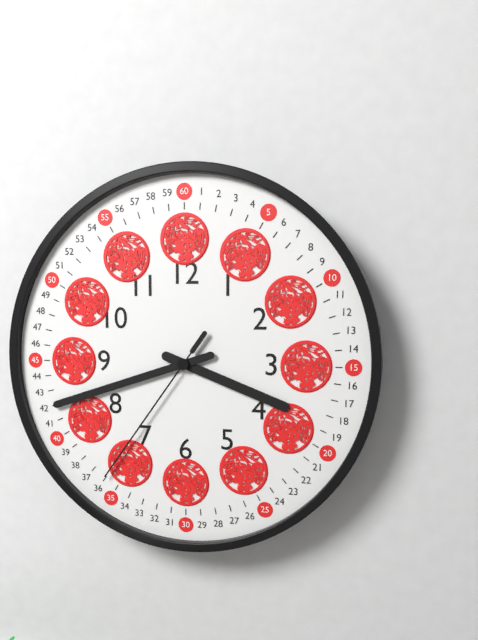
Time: {"hour": 3, "minute": 42, "second": 36}
